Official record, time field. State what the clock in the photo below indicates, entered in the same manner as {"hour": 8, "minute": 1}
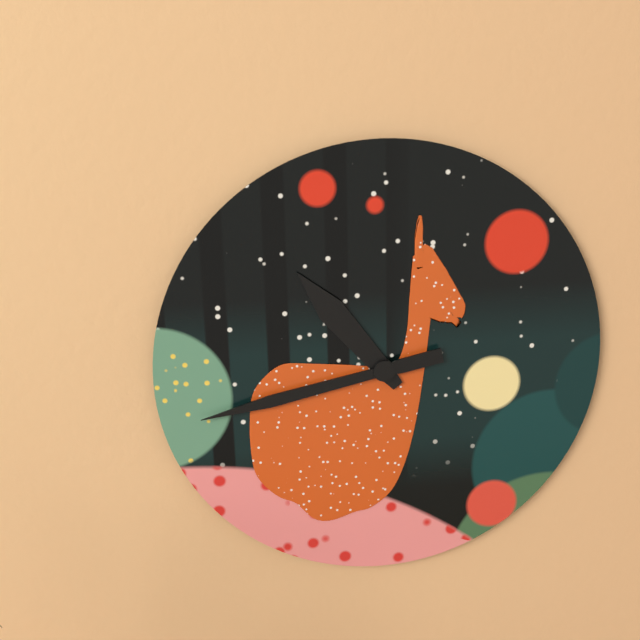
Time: {"hour": 10, "minute": 43}
